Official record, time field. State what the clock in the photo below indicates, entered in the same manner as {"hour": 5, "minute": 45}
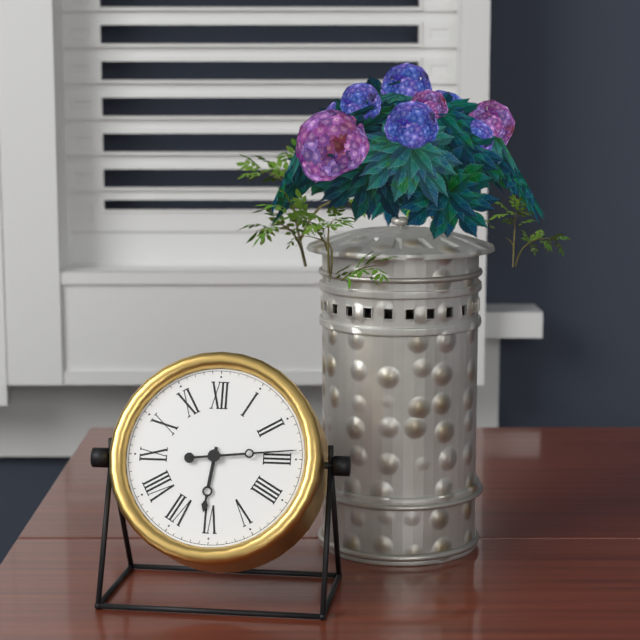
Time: {"hour": 6, "minute": 14}
